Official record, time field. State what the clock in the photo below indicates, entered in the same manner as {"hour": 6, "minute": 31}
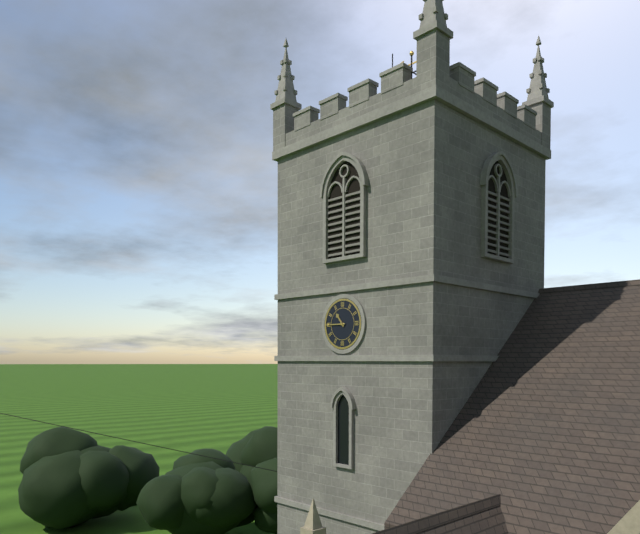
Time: {"hour": 10, "minute": 45}
